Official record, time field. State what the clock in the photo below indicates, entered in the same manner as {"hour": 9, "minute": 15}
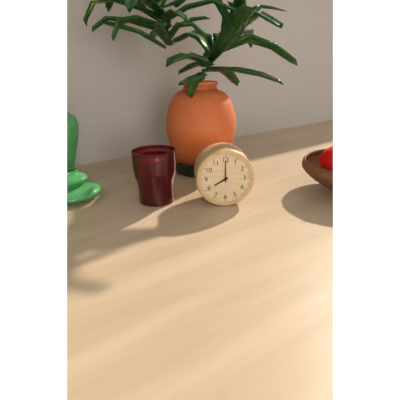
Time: {"hour": 8, "minute": 0}
